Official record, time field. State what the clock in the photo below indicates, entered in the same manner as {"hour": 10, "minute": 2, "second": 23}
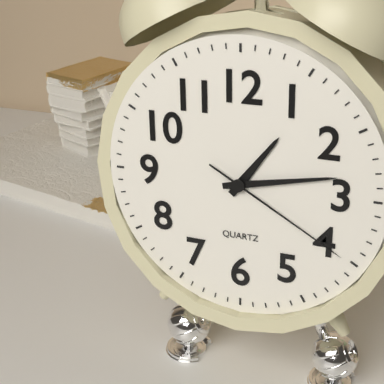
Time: {"hour": 1, "minute": 13, "second": 20}
